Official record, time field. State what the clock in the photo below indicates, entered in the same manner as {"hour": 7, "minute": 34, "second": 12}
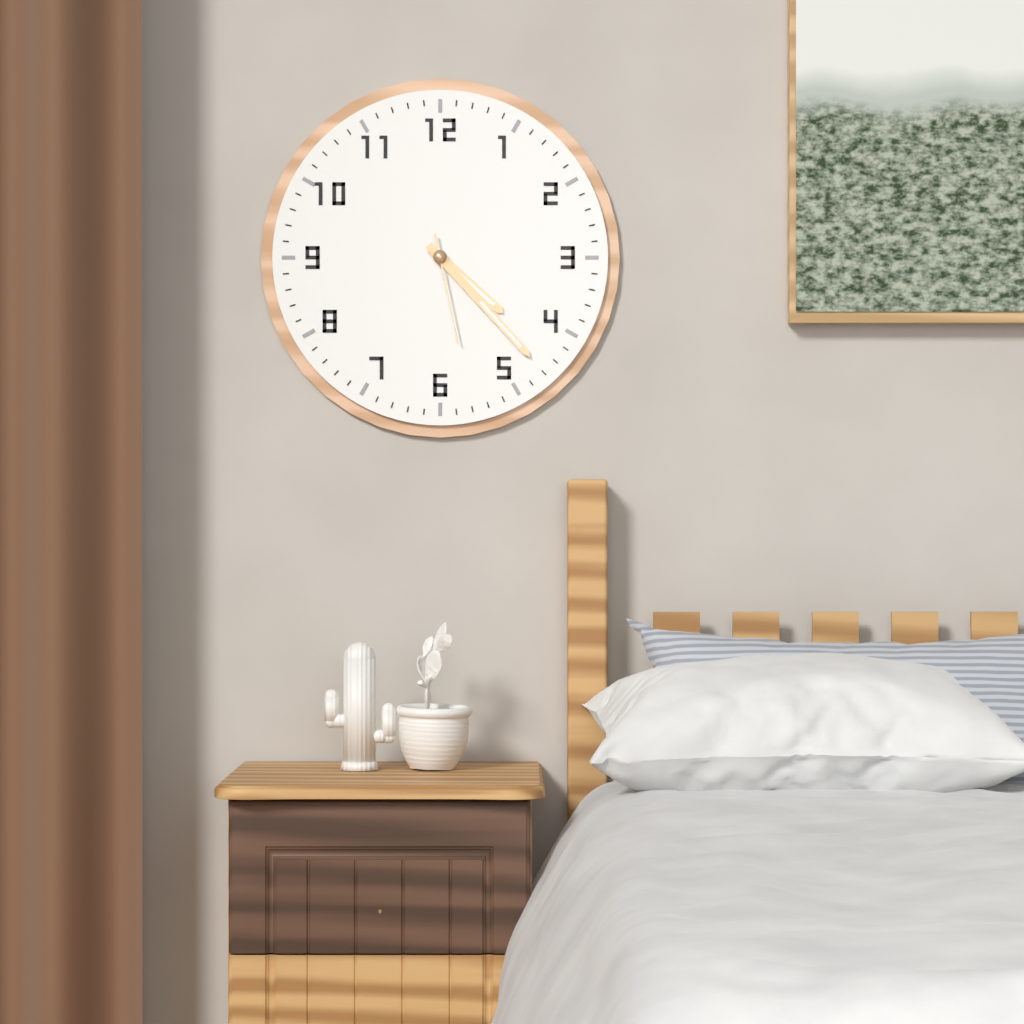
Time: {"hour": 4, "minute": 23, "second": 28}
